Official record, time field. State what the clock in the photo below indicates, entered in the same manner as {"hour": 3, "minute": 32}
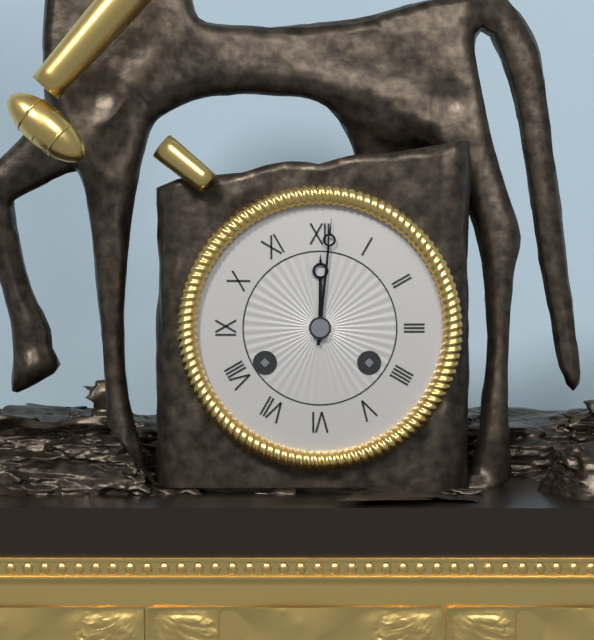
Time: {"hour": 12, "minute": 1}
